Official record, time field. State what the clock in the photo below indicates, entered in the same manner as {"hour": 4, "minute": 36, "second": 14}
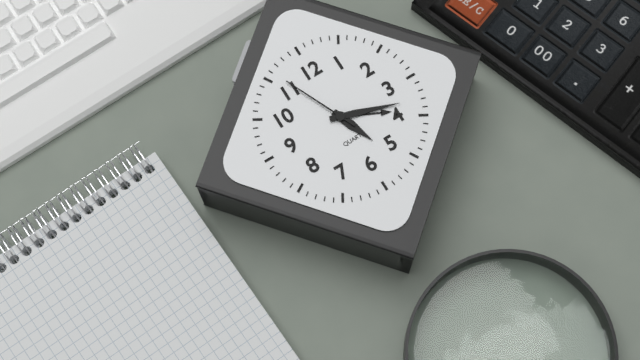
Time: {"hour": 5, "minute": 18, "second": 56}
